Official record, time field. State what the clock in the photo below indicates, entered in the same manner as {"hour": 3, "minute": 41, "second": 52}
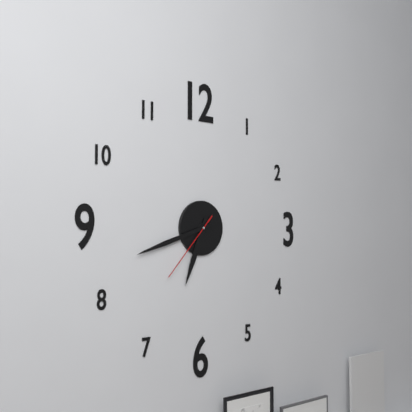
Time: {"hour": 6, "minute": 42, "second": 37}
